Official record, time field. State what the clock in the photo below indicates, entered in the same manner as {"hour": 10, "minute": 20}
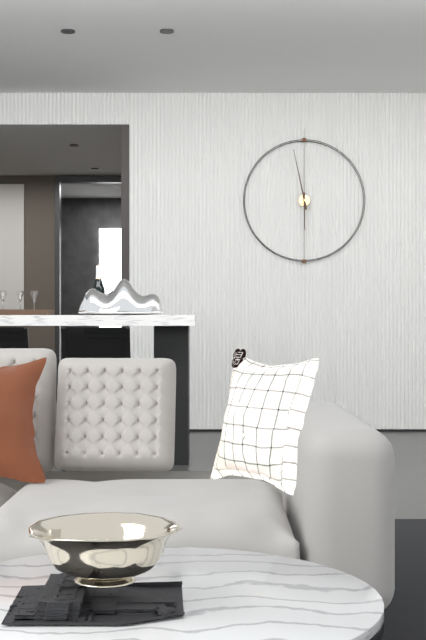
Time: {"hour": 5, "minute": 58}
